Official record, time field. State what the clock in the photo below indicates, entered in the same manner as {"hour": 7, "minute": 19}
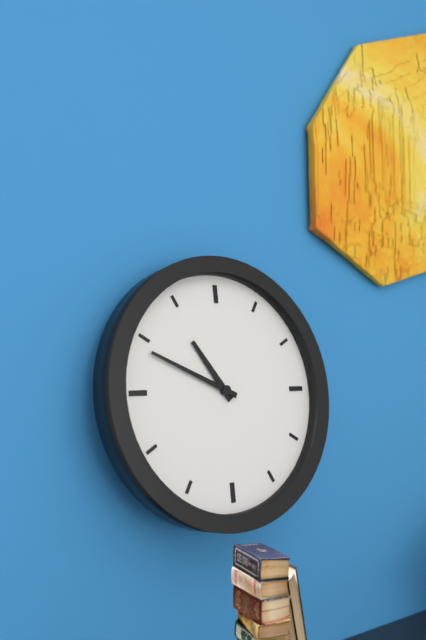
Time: {"hour": 10, "minute": 49}
